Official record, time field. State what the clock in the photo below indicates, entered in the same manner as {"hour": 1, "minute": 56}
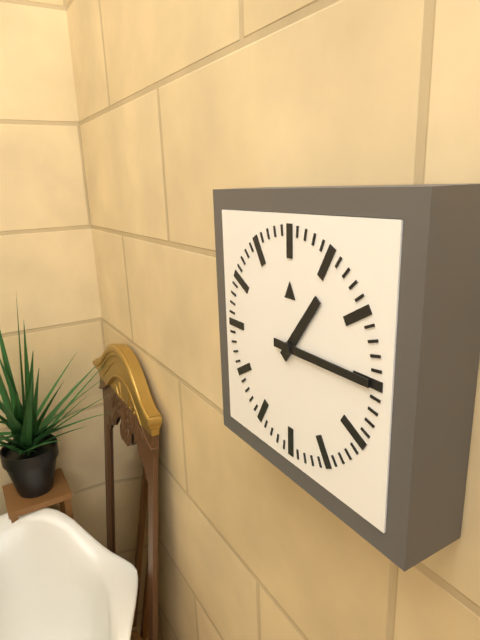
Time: {"hour": 1, "minute": 15}
